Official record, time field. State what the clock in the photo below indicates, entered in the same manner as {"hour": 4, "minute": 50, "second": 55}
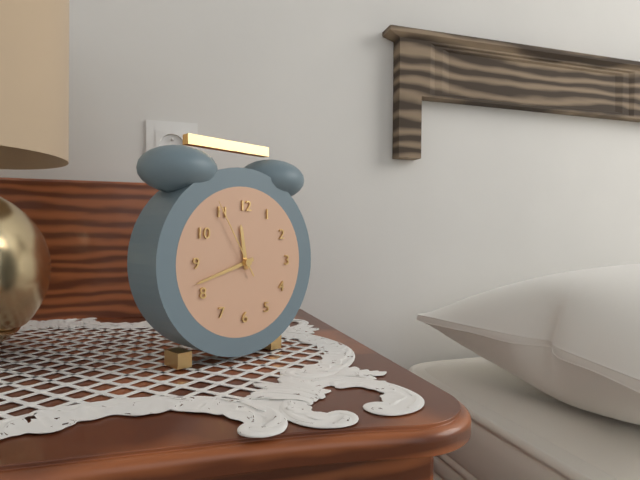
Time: {"hour": 11, "minute": 42, "second": 55}
